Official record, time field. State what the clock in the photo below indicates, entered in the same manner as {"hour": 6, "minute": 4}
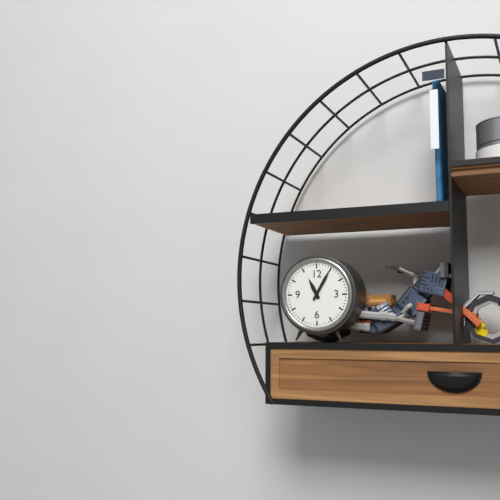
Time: {"hour": 11, "minute": 5}
